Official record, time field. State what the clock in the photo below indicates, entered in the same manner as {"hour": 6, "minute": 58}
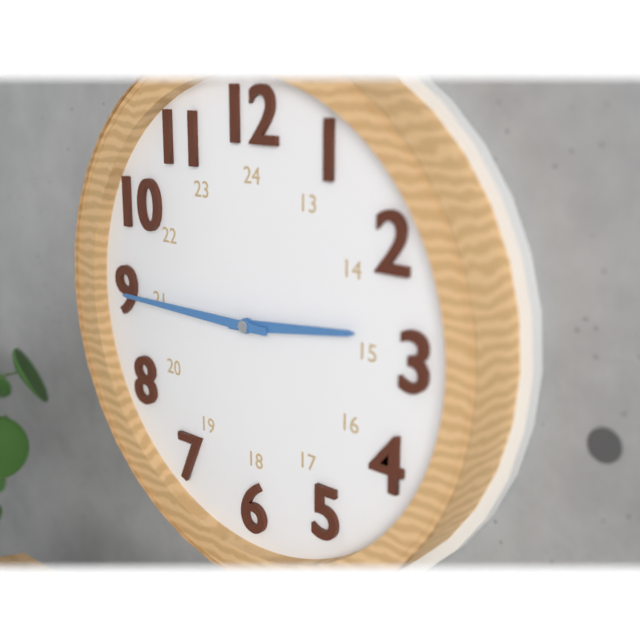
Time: {"hour": 2, "minute": 45}
